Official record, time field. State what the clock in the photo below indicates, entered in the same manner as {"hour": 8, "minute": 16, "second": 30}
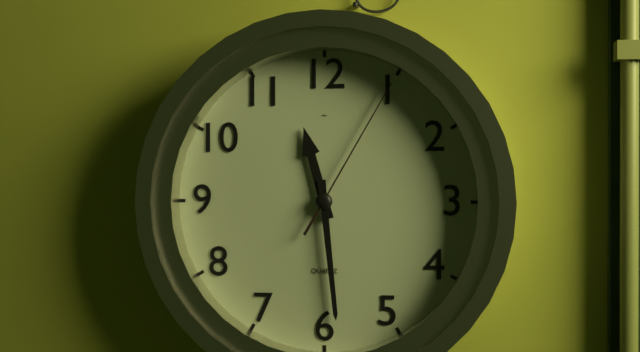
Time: {"hour": 11, "minute": 29, "second": 5}
